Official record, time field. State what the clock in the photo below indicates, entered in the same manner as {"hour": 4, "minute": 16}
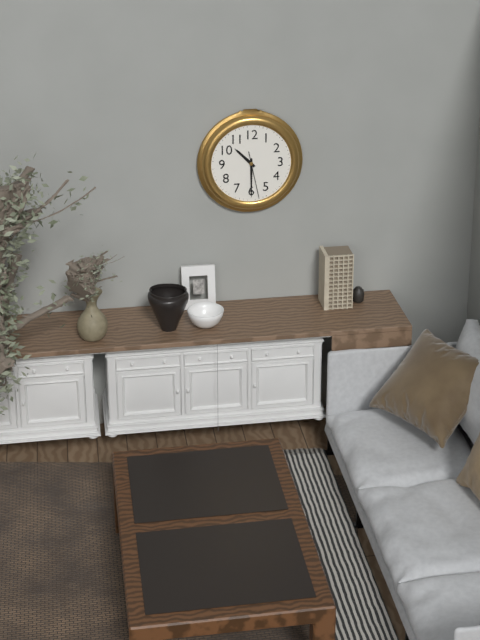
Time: {"hour": 10, "minute": 30}
